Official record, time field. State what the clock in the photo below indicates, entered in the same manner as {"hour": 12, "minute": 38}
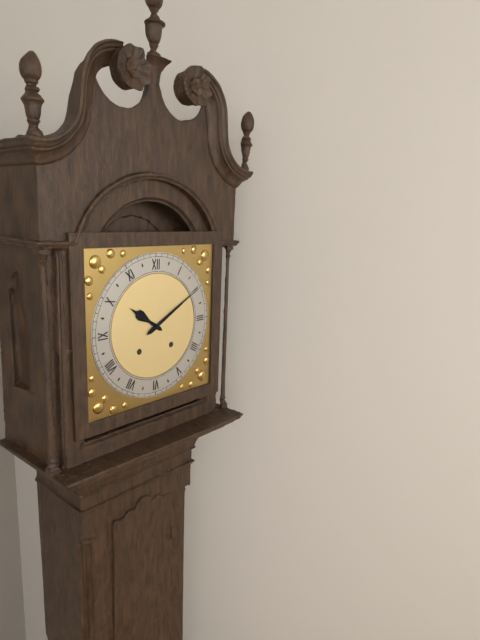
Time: {"hour": 10, "minute": 10}
